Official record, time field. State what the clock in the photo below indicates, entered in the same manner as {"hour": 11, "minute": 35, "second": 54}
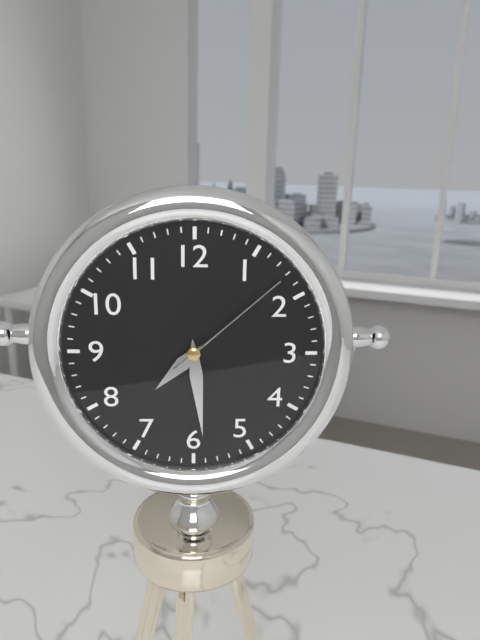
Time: {"hour": 7, "minute": 29, "second": 8}
